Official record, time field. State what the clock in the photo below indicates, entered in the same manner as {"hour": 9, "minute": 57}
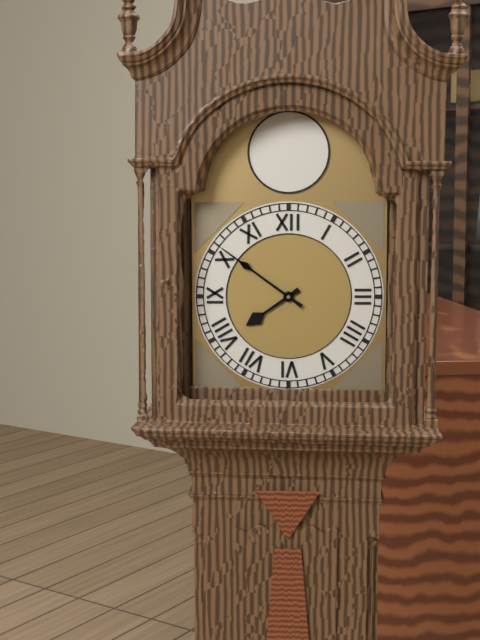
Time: {"hour": 7, "minute": 51}
